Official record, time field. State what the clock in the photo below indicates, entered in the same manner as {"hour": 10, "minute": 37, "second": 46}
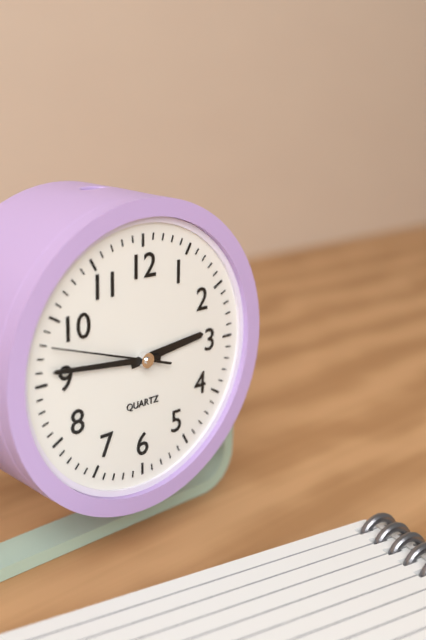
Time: {"hour": 2, "minute": 46, "second": 48}
